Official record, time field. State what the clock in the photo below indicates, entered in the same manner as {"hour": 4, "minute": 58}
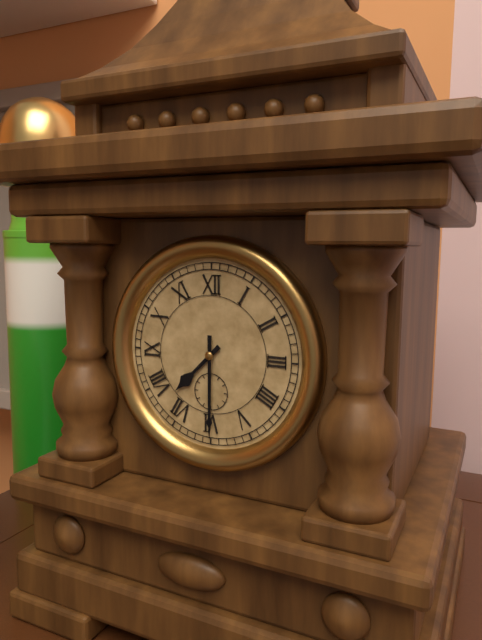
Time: {"hour": 7, "minute": 30}
